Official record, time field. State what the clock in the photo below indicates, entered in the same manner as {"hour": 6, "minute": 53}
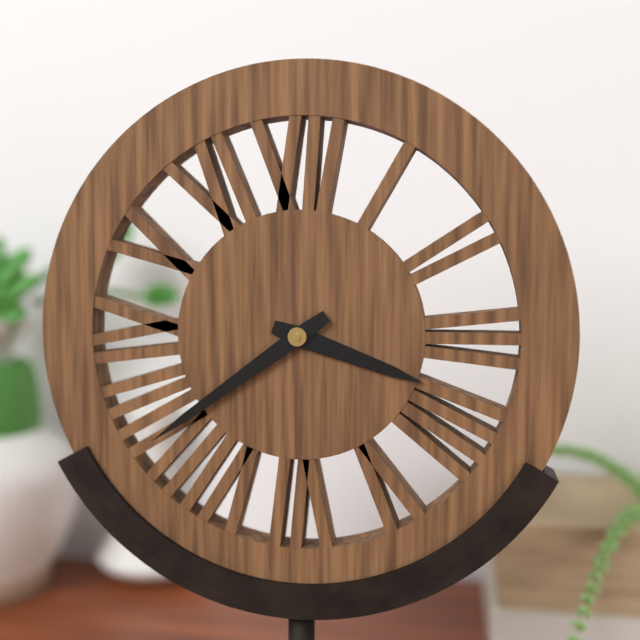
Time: {"hour": 3, "minute": 39}
